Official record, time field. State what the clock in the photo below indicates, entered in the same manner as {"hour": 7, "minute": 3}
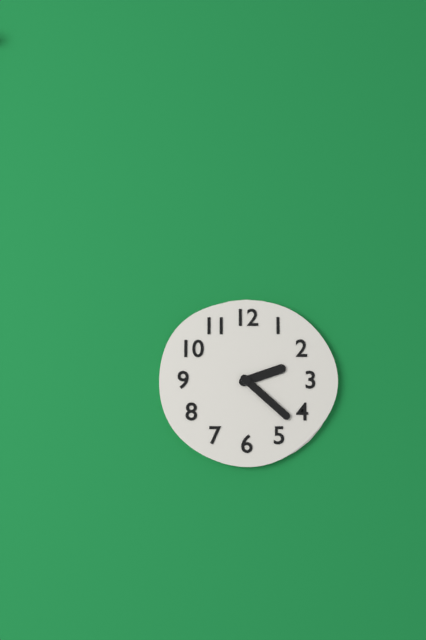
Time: {"hour": 2, "minute": 22}
